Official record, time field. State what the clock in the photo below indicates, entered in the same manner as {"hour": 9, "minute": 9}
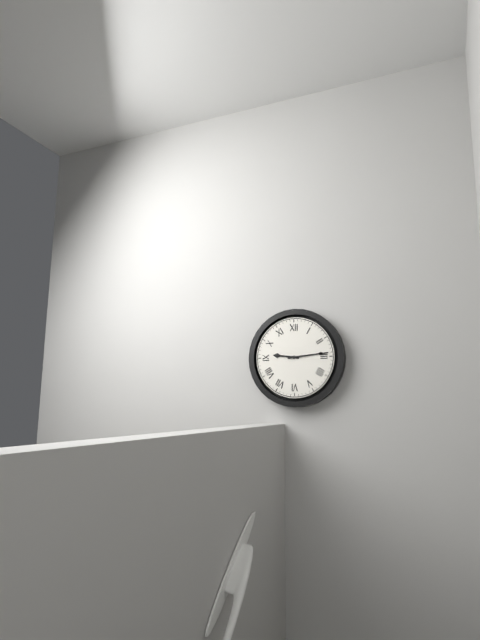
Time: {"hour": 9, "minute": 14}
